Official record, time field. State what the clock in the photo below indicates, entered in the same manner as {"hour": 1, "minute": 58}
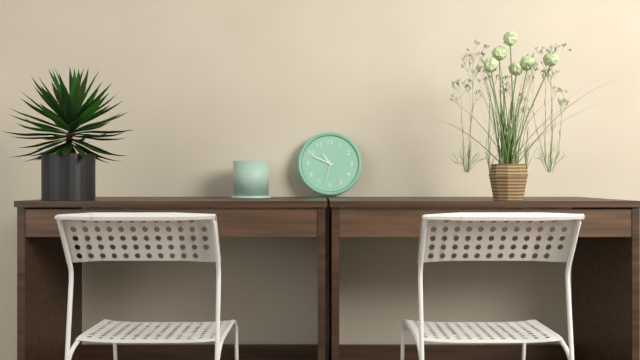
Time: {"hour": 10, "minute": 49}
